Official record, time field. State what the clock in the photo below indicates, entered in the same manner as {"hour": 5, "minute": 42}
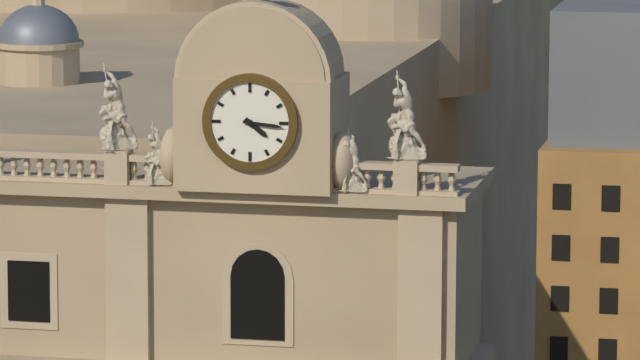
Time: {"hour": 4, "minute": 16}
